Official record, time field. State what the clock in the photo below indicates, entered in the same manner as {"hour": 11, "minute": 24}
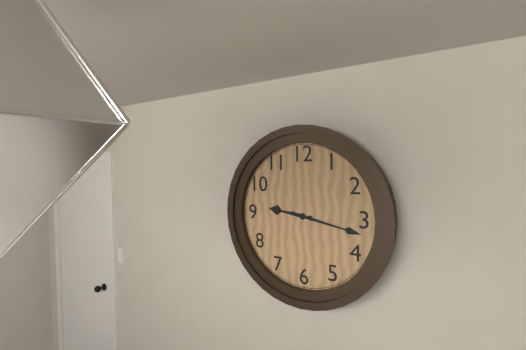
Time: {"hour": 9, "minute": 17}
